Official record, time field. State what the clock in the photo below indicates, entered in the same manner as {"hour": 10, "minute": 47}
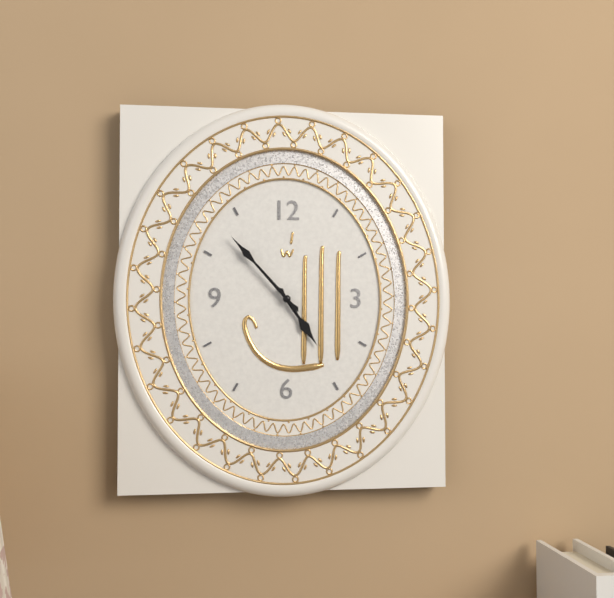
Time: {"hour": 4, "minute": 53}
